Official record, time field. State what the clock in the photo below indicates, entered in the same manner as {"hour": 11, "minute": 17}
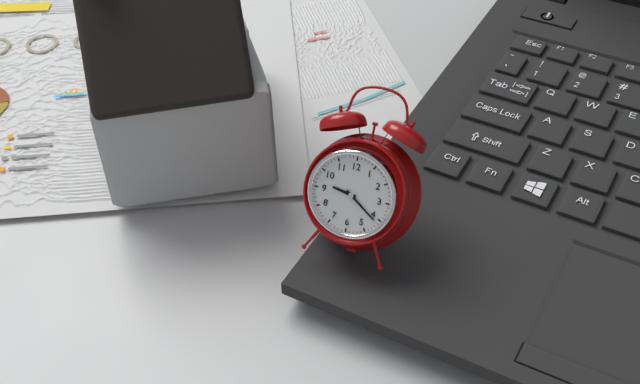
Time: {"hour": 9, "minute": 21}
